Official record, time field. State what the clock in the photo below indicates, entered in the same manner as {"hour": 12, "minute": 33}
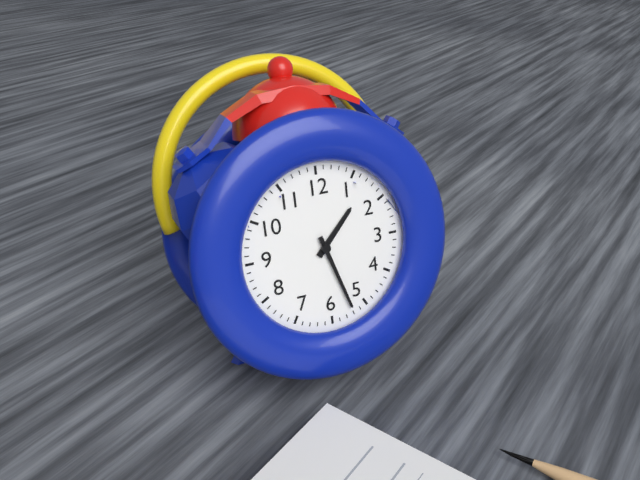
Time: {"hour": 1, "minute": 27}
